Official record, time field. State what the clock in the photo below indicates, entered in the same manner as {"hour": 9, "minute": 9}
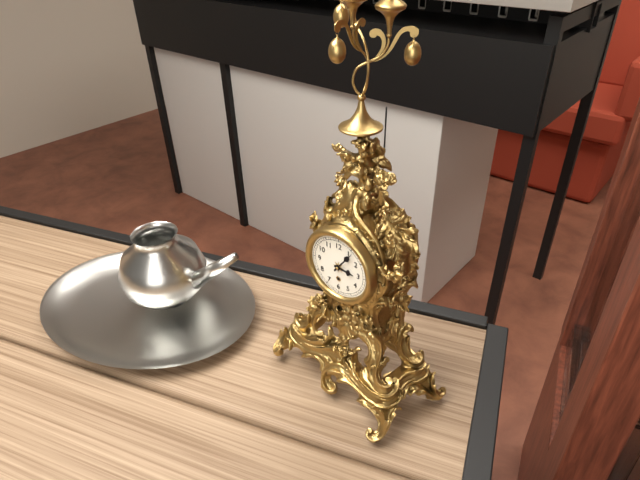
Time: {"hour": 3, "minute": 6}
